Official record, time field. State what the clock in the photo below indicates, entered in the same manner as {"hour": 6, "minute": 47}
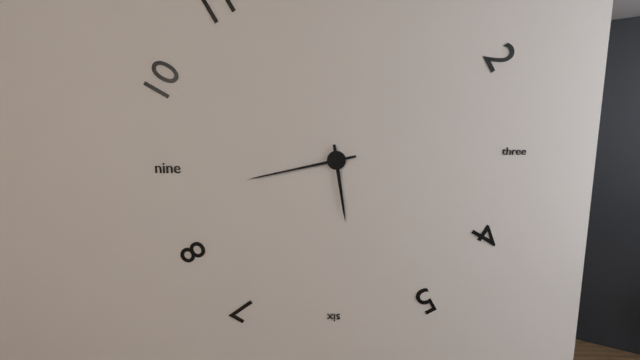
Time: {"hour": 5, "minute": 43}
